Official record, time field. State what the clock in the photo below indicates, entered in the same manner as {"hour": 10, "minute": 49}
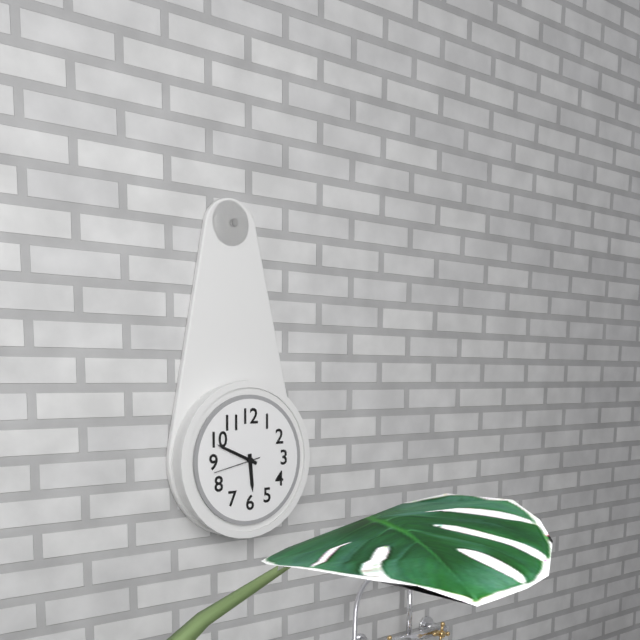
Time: {"hour": 5, "minute": 49}
